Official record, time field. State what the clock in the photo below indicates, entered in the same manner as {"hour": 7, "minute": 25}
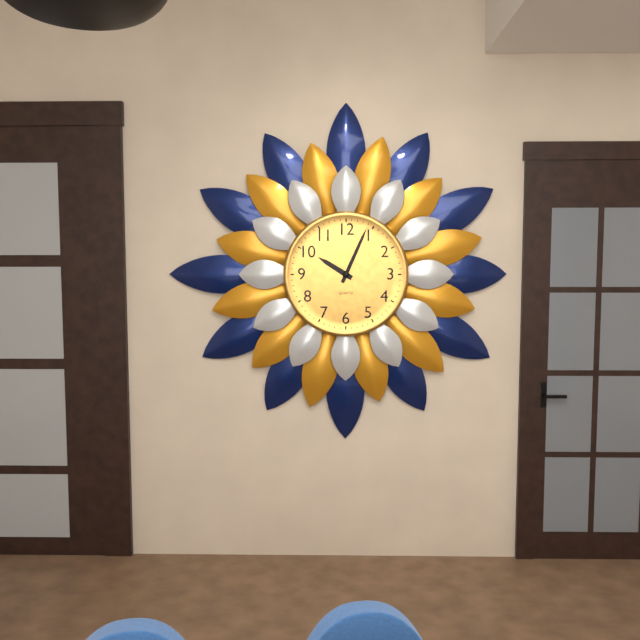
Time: {"hour": 10, "minute": 4}
